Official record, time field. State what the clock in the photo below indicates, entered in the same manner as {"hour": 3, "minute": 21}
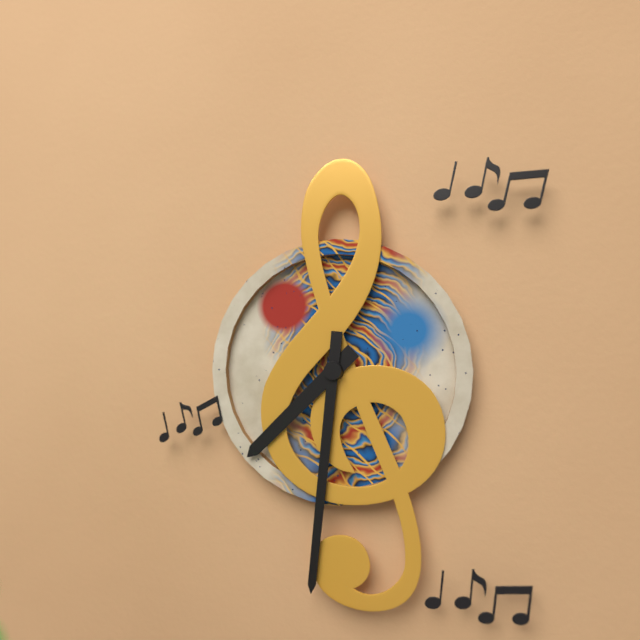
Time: {"hour": 7, "minute": 31}
